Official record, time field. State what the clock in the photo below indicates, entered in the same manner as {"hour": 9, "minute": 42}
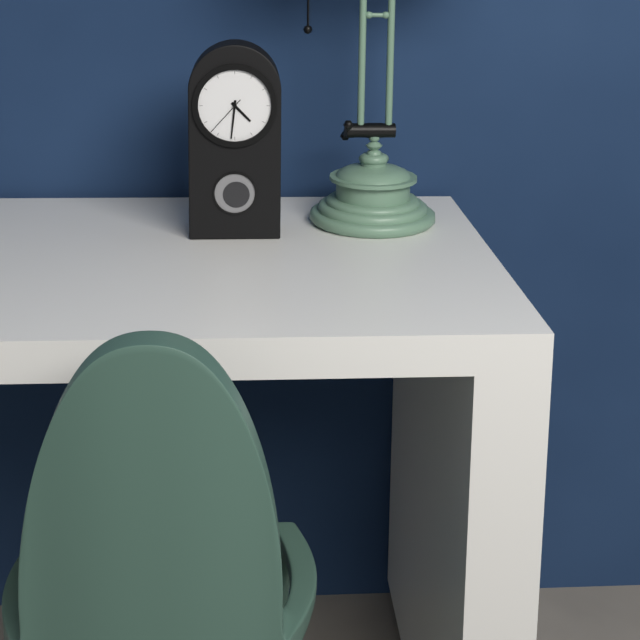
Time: {"hour": 4, "minute": 31}
